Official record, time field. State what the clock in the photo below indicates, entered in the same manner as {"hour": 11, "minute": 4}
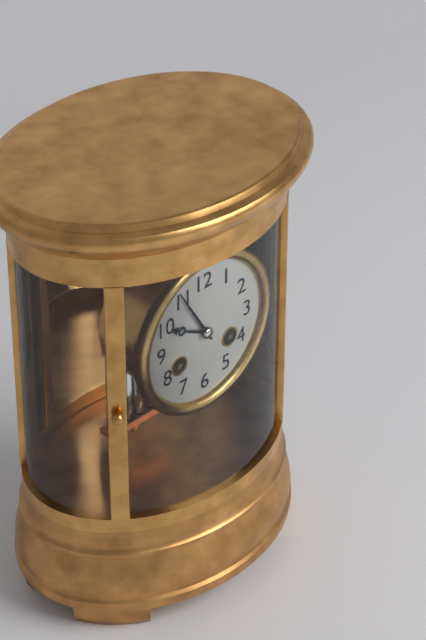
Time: {"hour": 9, "minute": 55}
